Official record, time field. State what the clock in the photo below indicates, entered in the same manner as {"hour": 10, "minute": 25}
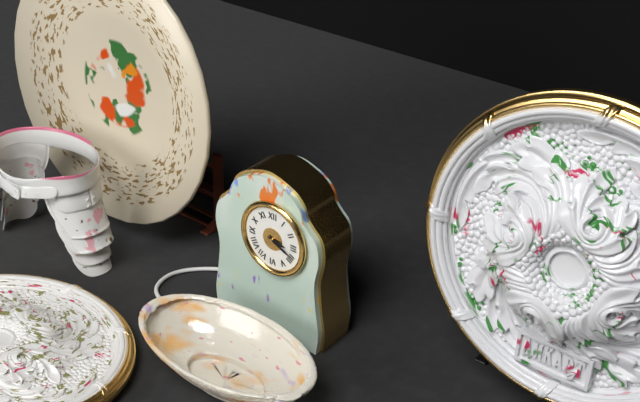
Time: {"hour": 3, "minute": 19}
